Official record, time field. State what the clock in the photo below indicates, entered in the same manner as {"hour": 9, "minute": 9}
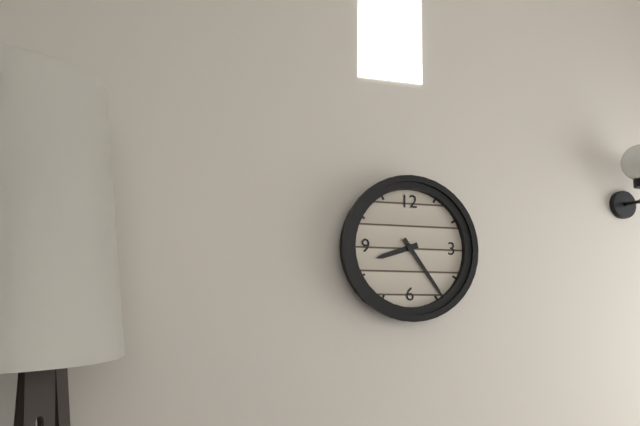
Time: {"hour": 8, "minute": 24}
